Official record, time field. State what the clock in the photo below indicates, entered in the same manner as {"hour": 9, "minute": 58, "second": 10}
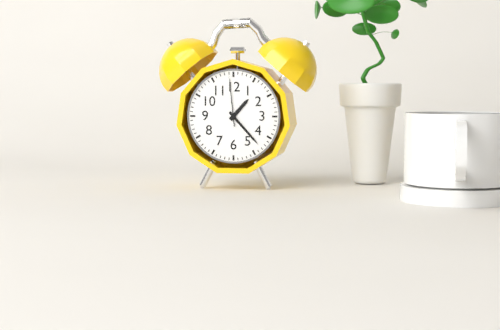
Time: {"hour": 1, "minute": 23, "second": 59}
